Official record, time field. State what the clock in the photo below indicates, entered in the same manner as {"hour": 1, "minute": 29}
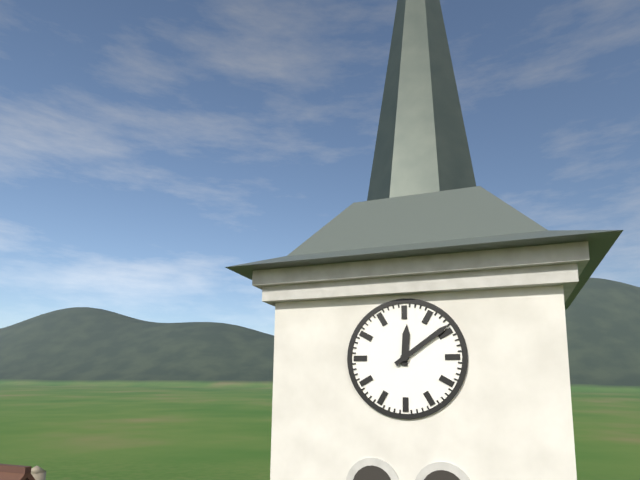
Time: {"hour": 12, "minute": 9}
